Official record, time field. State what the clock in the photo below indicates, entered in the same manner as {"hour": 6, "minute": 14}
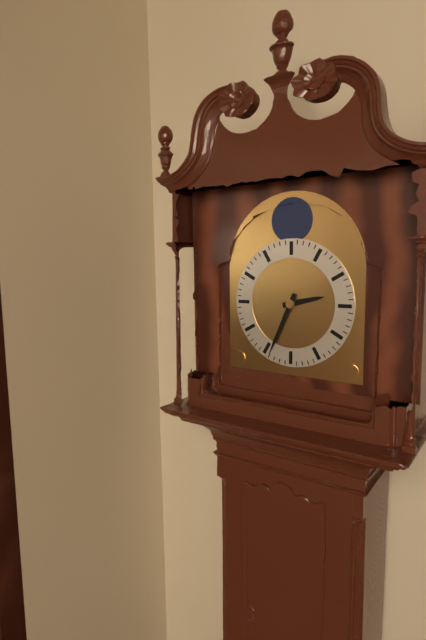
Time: {"hour": 2, "minute": 34}
